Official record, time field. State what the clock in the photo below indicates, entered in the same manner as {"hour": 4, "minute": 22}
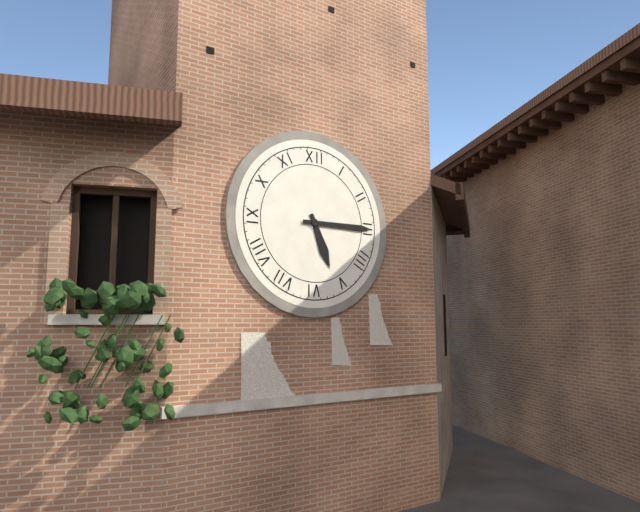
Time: {"hour": 5, "minute": 15}
